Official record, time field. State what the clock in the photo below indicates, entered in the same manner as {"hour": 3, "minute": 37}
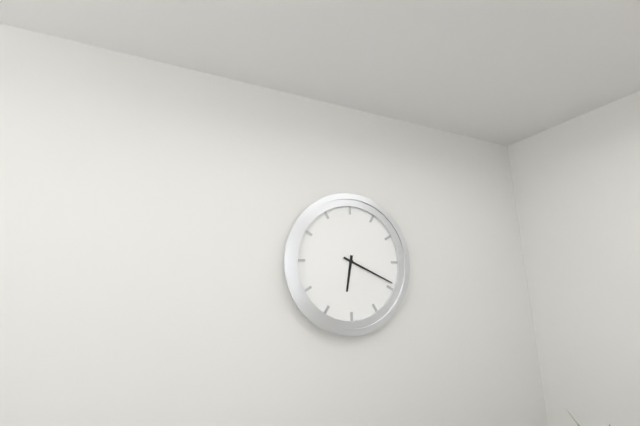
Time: {"hour": 6, "minute": 19}
